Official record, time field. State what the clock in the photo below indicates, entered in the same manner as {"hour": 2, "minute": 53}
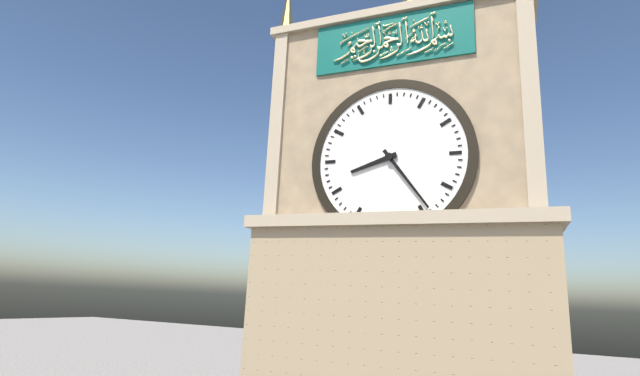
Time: {"hour": 8, "minute": 24}
